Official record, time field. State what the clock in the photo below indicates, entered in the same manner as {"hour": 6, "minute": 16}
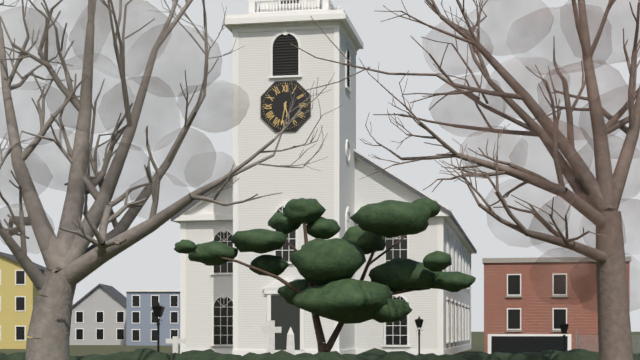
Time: {"hour": 5, "minute": 32}
